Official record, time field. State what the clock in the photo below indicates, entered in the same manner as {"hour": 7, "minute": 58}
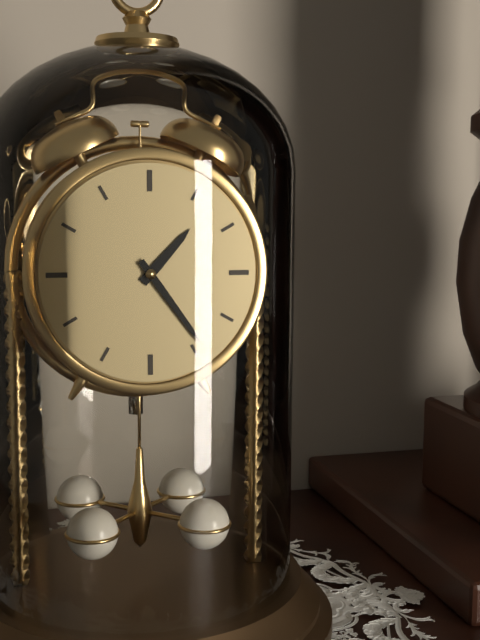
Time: {"hour": 1, "minute": 24}
